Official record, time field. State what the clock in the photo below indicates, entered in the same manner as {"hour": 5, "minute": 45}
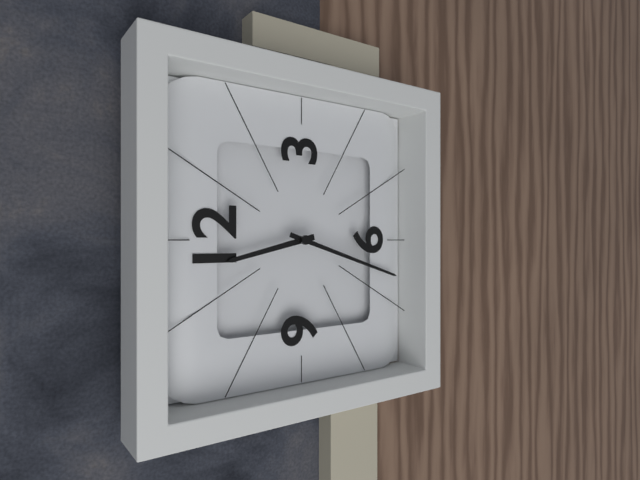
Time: {"hour": 11, "minute": 33}
